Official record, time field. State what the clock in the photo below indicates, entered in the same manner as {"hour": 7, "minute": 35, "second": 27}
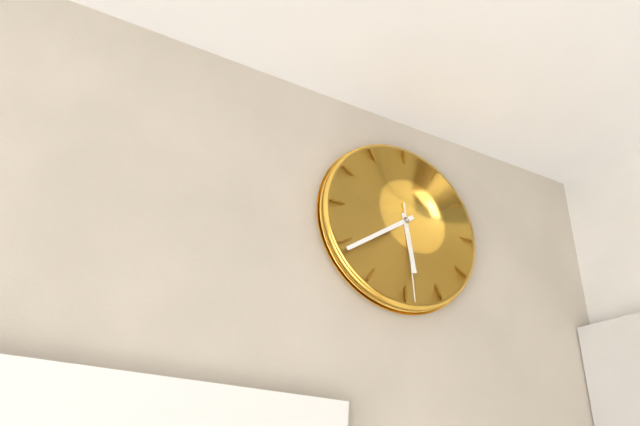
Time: {"hour": 5, "minute": 39, "second": 29}
